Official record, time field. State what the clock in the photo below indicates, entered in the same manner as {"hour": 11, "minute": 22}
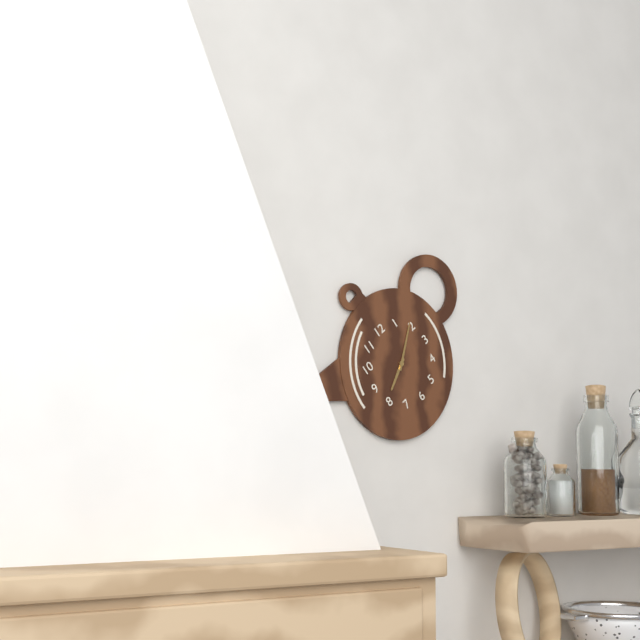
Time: {"hour": 8, "minute": 9}
